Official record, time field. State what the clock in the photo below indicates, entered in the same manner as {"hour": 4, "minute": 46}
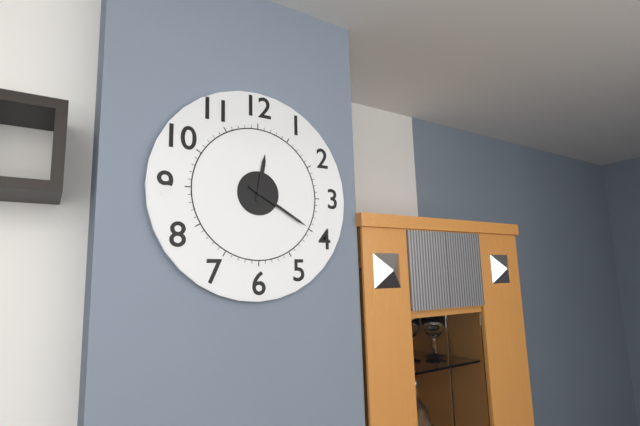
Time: {"hour": 12, "minute": 20}
